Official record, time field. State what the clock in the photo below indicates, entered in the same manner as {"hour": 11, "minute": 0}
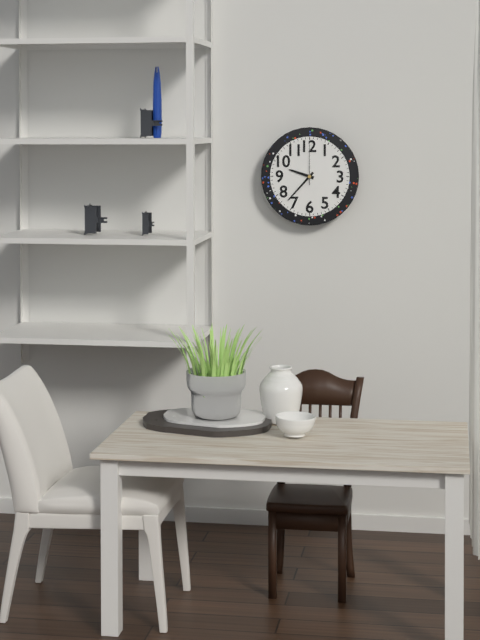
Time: {"hour": 9, "minute": 37}
